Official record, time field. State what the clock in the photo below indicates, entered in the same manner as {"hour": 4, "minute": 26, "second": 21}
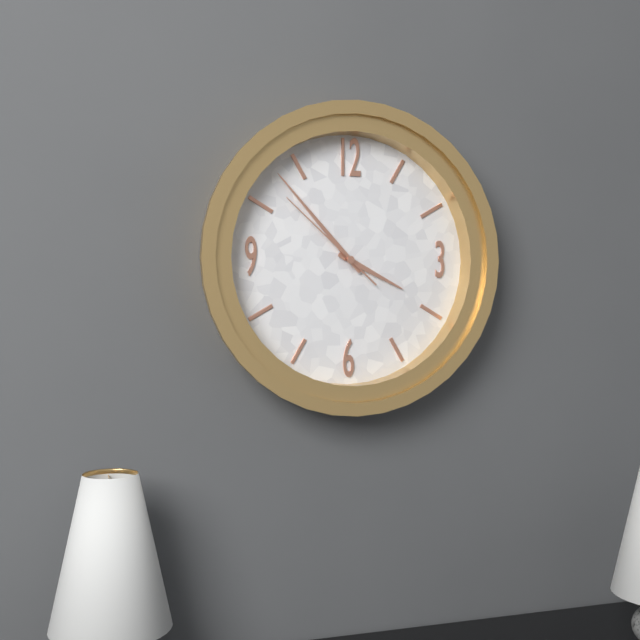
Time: {"hour": 3, "minute": 53, "second": 52}
